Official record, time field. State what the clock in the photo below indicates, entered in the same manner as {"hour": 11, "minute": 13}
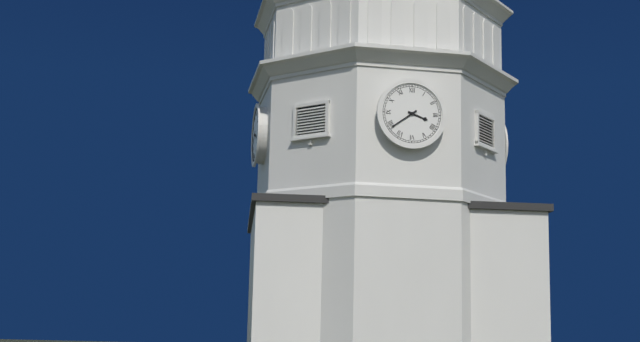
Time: {"hour": 3, "minute": 39}
